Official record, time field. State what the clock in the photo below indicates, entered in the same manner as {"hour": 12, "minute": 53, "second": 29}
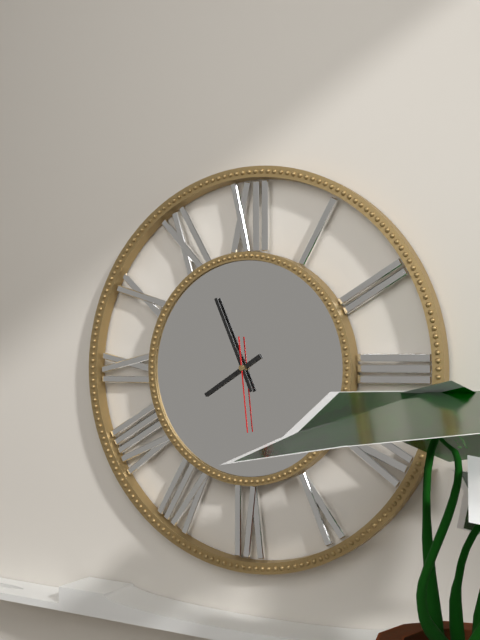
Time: {"hour": 7, "minute": 56, "second": 29}
